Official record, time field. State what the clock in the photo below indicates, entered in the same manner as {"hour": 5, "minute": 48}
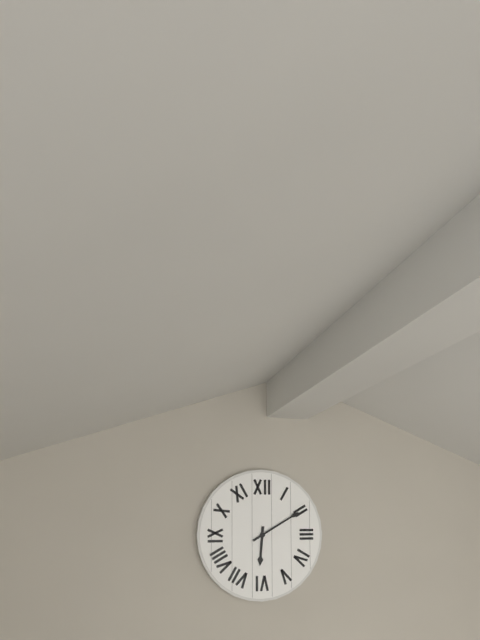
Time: {"hour": 6, "minute": 10}
